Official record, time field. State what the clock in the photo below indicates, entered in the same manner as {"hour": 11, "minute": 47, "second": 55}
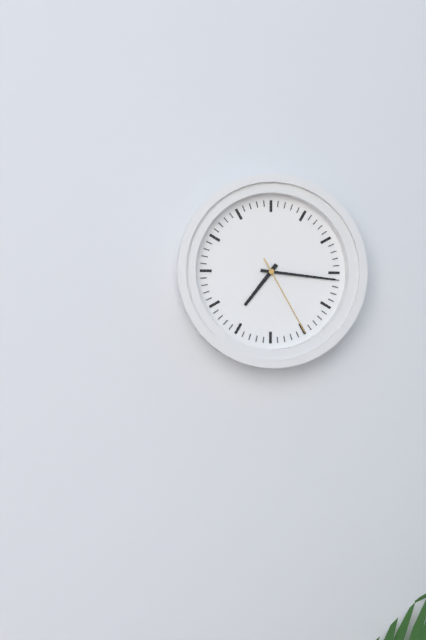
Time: {"hour": 7, "minute": 16, "second": 25}
